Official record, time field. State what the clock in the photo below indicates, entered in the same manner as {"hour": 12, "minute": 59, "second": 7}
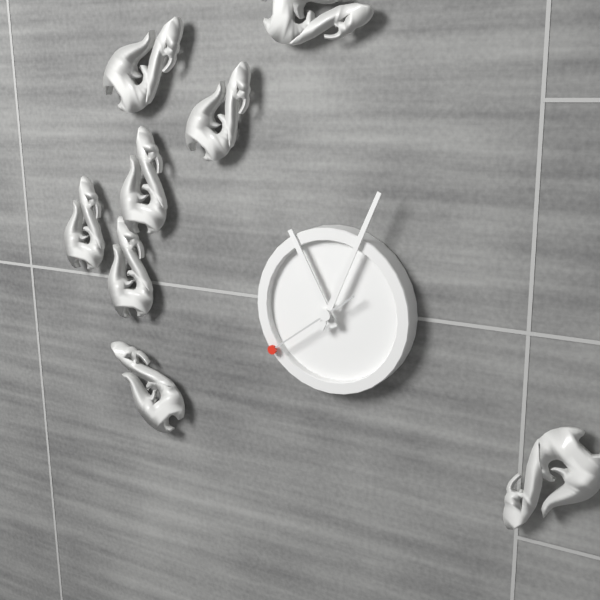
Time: {"hour": 11, "minute": 4, "second": 39}
